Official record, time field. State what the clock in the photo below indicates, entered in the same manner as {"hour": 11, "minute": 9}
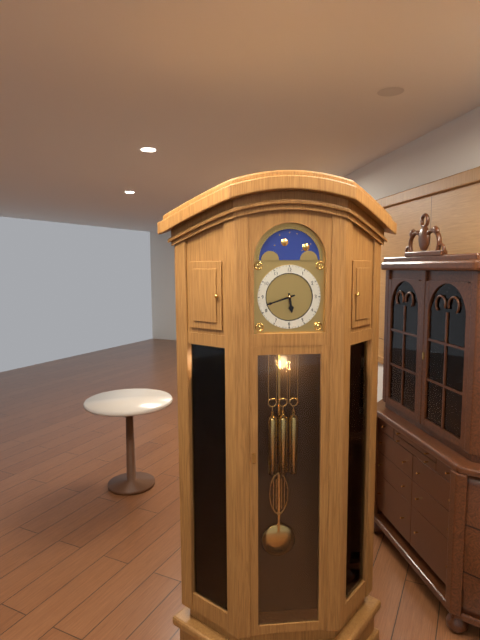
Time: {"hour": 5, "minute": 42}
